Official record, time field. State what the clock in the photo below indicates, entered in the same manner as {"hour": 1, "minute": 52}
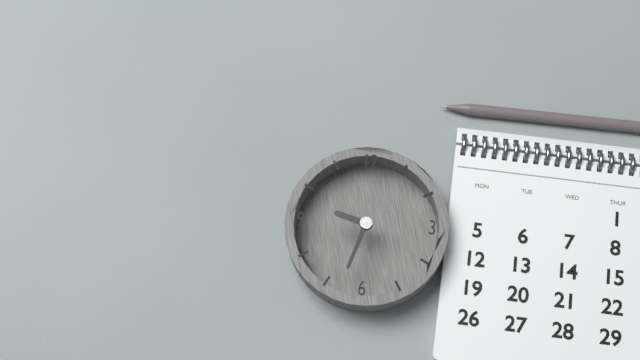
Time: {"hour": 9, "minute": 33}
